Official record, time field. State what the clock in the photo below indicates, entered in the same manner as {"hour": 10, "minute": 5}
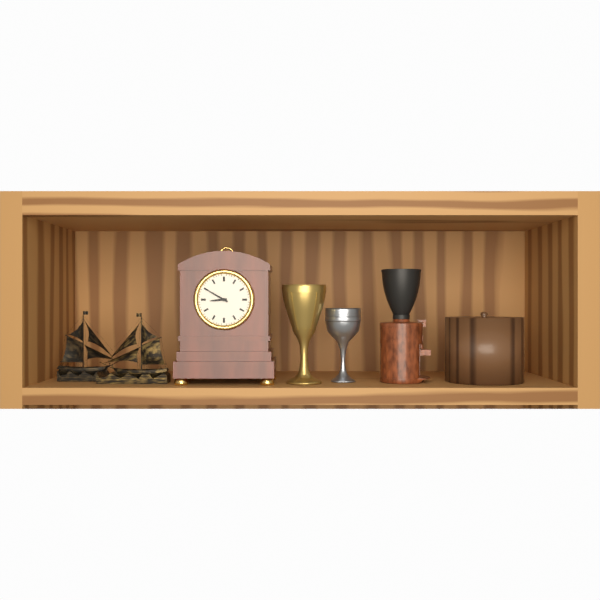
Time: {"hour": 8, "minute": 50}
